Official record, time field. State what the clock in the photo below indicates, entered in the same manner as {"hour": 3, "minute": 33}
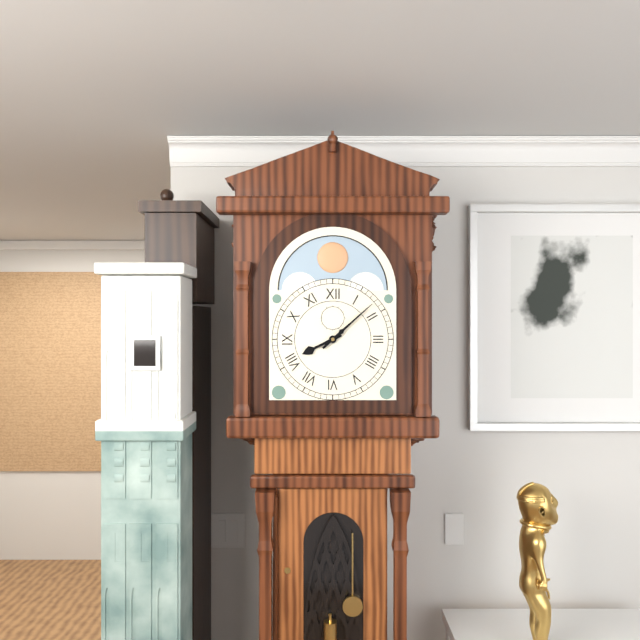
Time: {"hour": 8, "minute": 8}
